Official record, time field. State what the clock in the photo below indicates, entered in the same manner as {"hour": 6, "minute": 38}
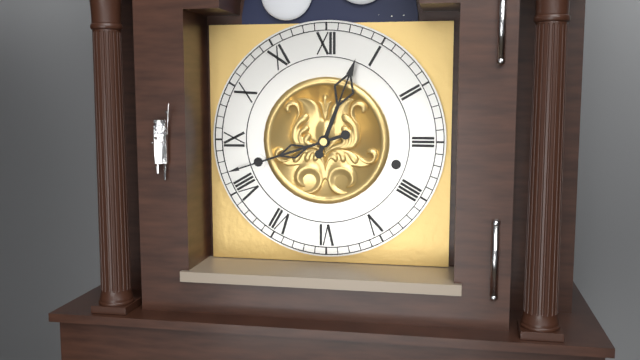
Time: {"hour": 12, "minute": 42}
